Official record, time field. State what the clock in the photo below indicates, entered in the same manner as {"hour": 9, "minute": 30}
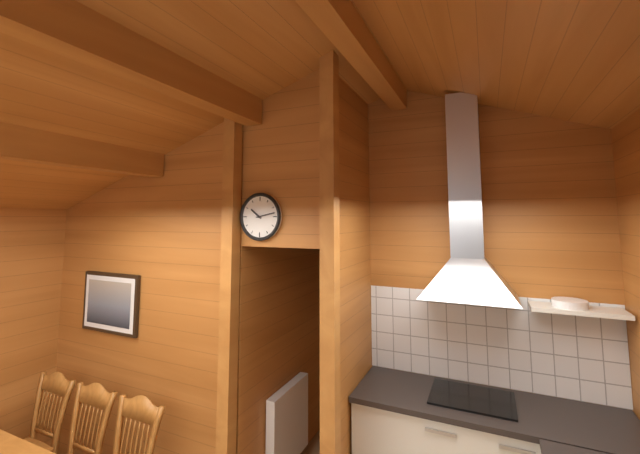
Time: {"hour": 10, "minute": 13}
